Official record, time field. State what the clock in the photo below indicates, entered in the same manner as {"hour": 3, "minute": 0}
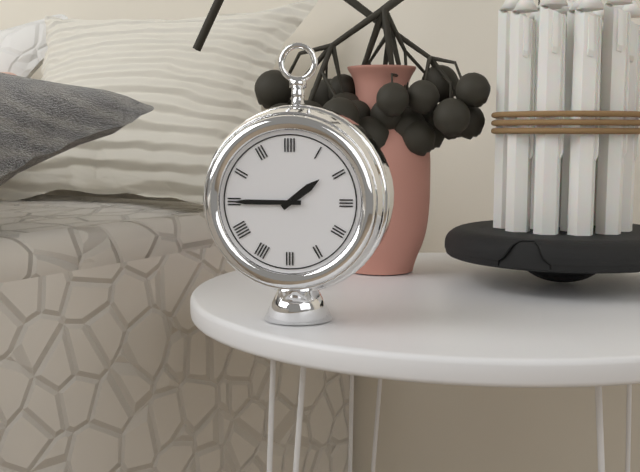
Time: {"hour": 1, "minute": 45}
